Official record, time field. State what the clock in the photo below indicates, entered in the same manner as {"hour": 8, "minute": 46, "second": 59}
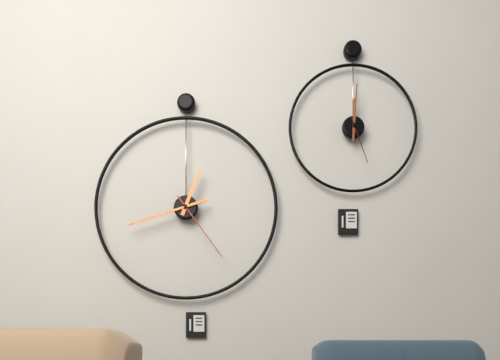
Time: {"hour": 12, "minute": 42, "second": 24}
